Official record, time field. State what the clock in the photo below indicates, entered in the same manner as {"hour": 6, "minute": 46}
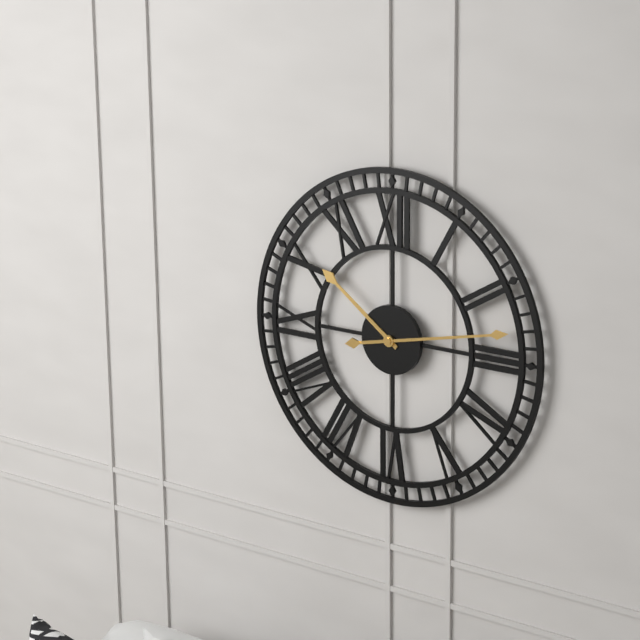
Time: {"hour": 10, "minute": 13}
